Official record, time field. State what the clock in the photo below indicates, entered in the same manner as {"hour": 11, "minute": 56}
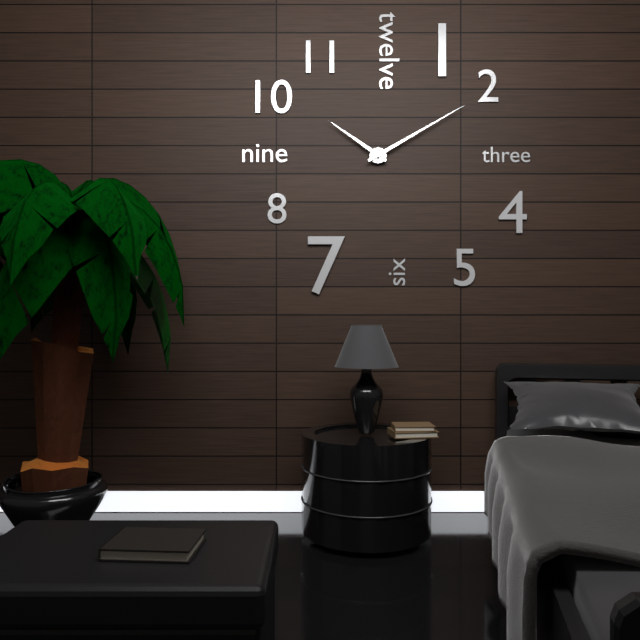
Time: {"hour": 10, "minute": 10}
